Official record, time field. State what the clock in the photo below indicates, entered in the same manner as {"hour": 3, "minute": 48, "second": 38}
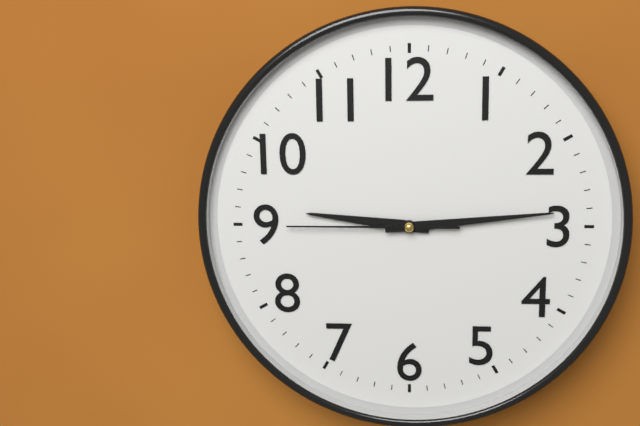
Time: {"hour": 9, "minute": 14, "second": 45}
